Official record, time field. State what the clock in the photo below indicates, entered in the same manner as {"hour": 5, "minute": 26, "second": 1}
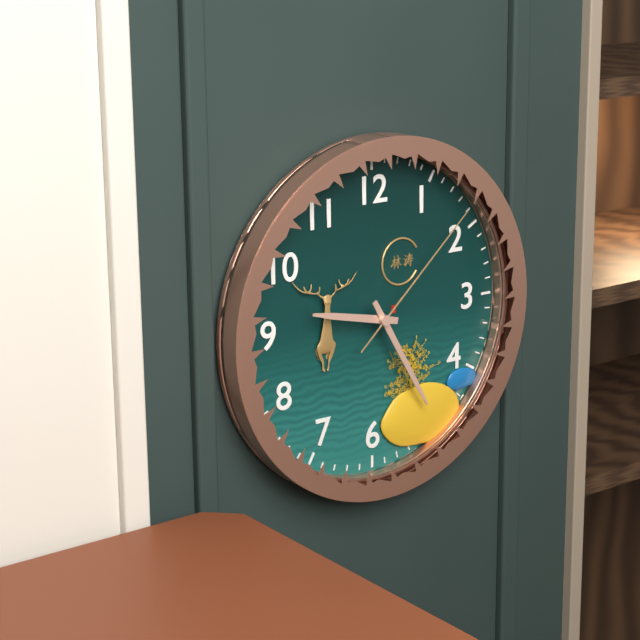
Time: {"hour": 9, "minute": 25, "second": 8}
